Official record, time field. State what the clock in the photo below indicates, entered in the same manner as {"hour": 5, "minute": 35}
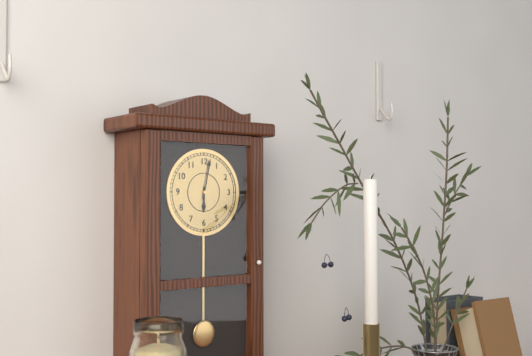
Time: {"hour": 6, "minute": 2}
